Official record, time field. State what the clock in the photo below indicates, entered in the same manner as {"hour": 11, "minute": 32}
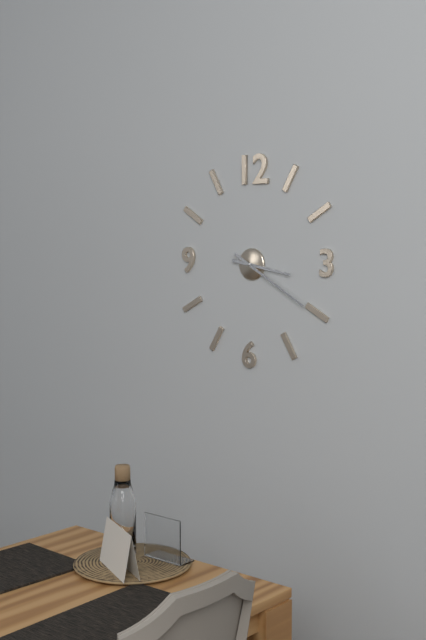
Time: {"hour": 3, "minute": 20}
